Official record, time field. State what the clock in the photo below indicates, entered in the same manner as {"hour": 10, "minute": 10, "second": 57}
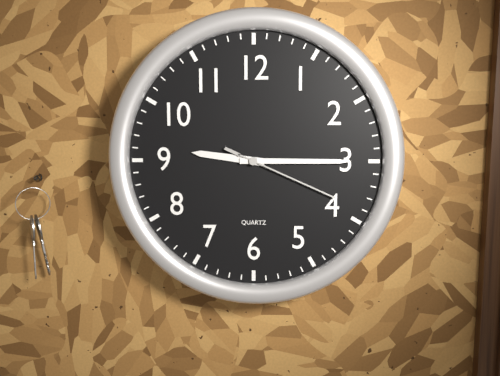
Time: {"hour": 9, "minute": 15, "second": 19}
